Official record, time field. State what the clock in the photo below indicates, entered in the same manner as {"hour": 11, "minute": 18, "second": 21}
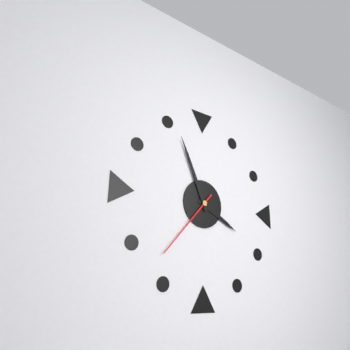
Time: {"hour": 3, "minute": 56, "second": 37}
